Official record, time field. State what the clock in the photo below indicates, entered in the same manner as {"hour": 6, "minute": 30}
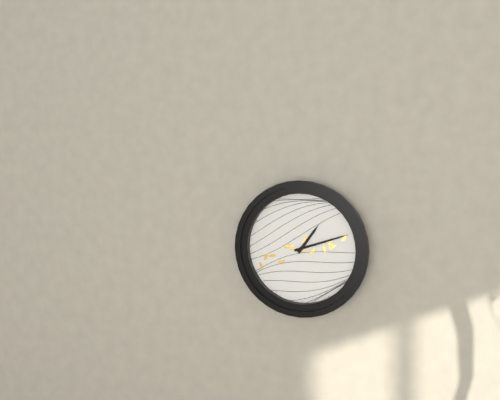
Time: {"hour": 1, "minute": 12}
